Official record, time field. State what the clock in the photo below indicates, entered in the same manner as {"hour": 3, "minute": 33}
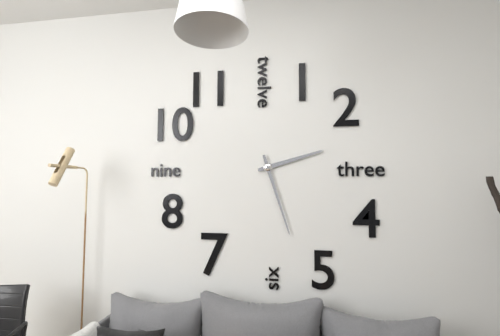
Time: {"hour": 2, "minute": 27}
